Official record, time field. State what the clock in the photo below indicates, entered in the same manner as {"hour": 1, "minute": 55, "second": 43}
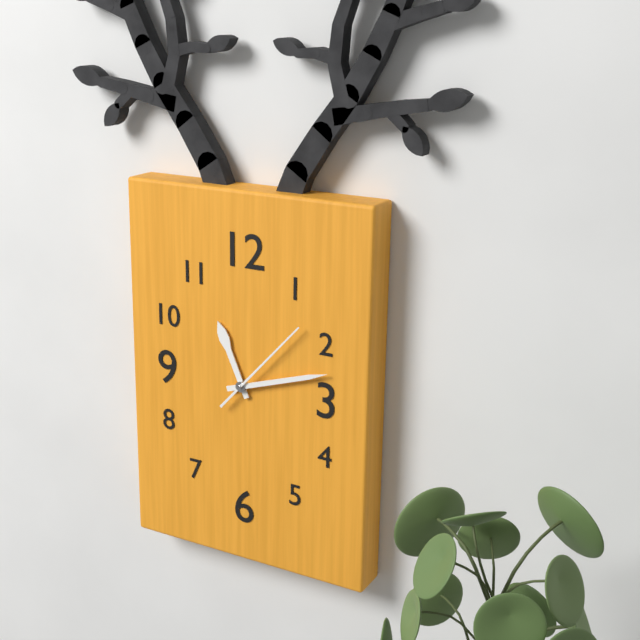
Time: {"hour": 11, "minute": 12, "second": 7}
